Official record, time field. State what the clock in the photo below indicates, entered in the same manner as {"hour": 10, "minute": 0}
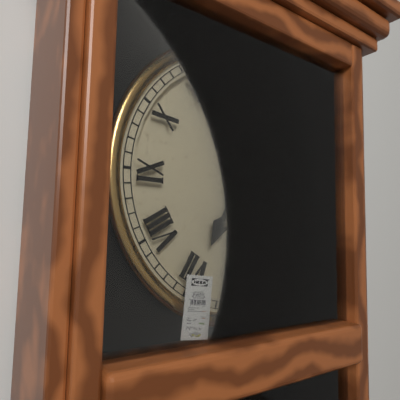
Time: {"hour": 6, "minute": 57}
